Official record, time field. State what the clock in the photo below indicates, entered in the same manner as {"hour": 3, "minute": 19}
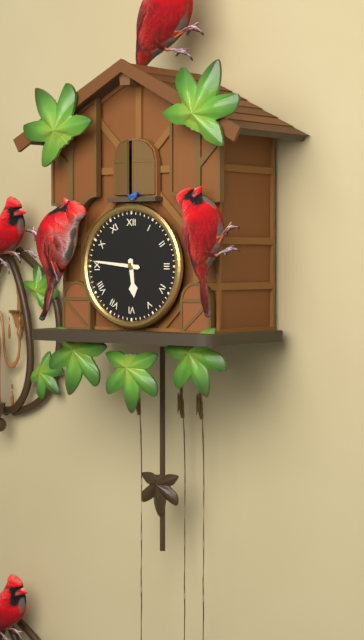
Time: {"hour": 5, "minute": 46}
